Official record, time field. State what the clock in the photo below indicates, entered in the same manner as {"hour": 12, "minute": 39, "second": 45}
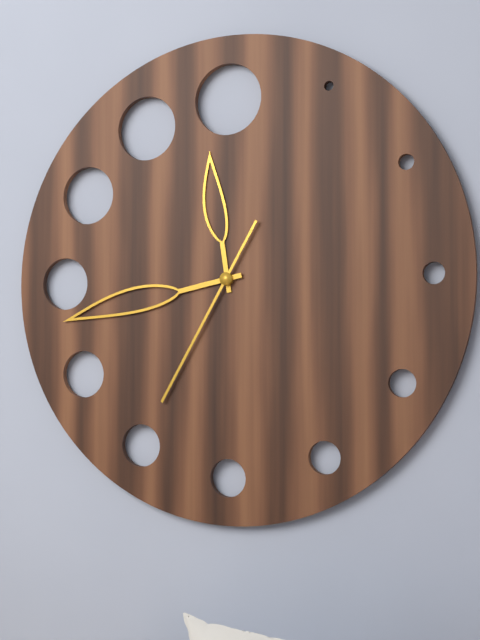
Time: {"hour": 11, "minute": 43, "second": 35}
